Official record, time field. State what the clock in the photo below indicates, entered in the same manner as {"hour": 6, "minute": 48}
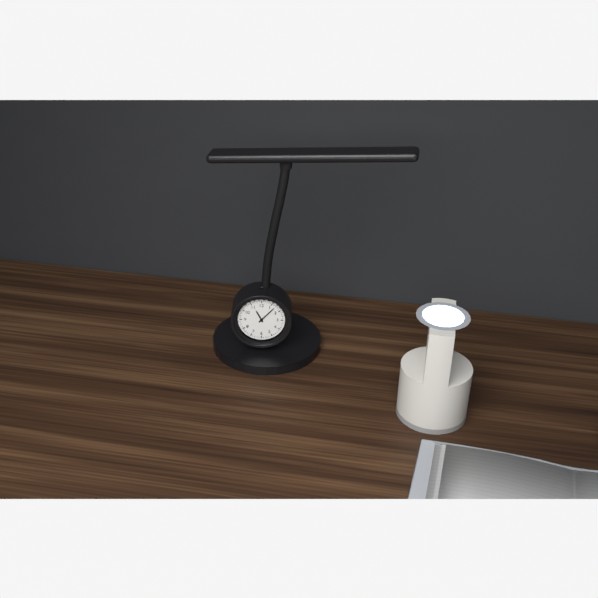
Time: {"hour": 11, "minute": 7}
